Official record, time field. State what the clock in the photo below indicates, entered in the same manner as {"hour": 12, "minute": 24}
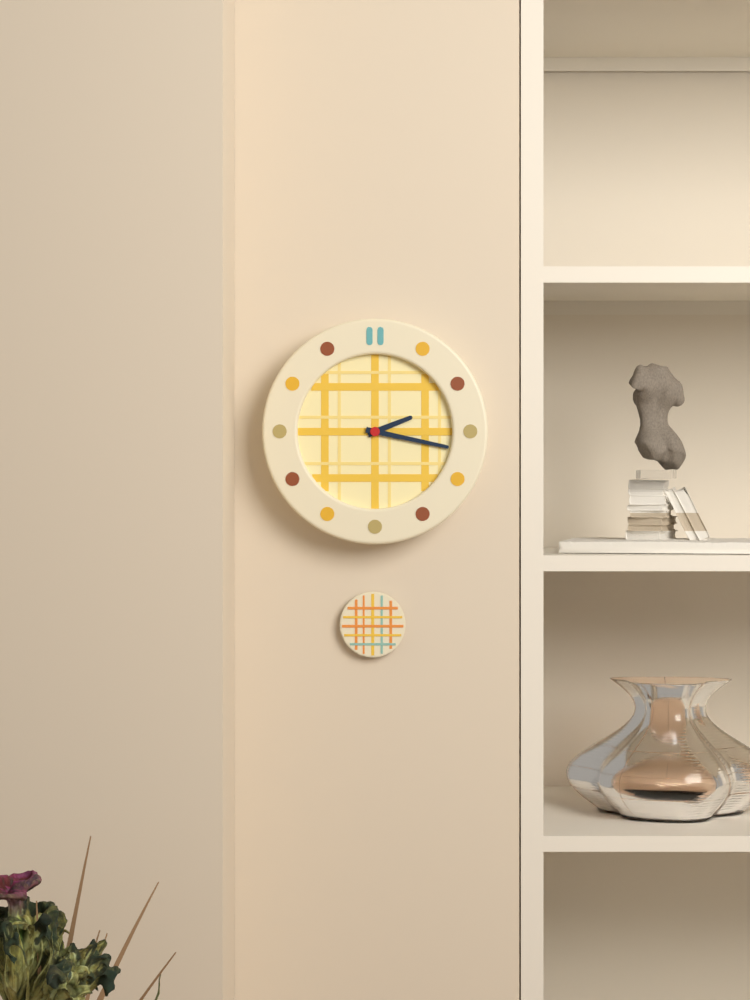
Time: {"hour": 2, "minute": 17}
